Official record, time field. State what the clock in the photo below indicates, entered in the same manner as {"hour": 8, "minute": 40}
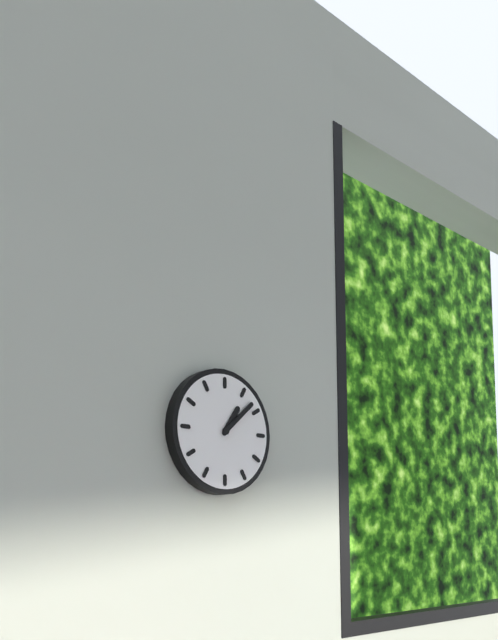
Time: {"hour": 1, "minute": 8}
